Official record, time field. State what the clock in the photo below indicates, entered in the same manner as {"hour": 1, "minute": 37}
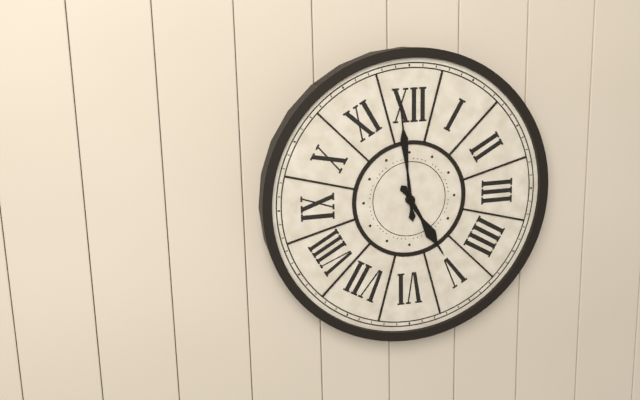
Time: {"hour": 4, "minute": 59}
